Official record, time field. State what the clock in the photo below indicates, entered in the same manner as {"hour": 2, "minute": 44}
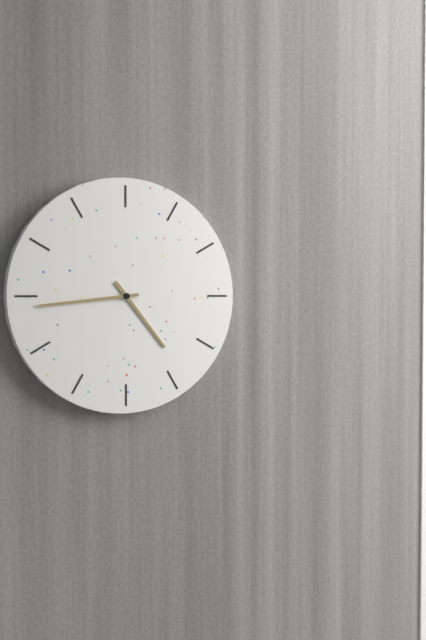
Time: {"hour": 4, "minute": 44}
